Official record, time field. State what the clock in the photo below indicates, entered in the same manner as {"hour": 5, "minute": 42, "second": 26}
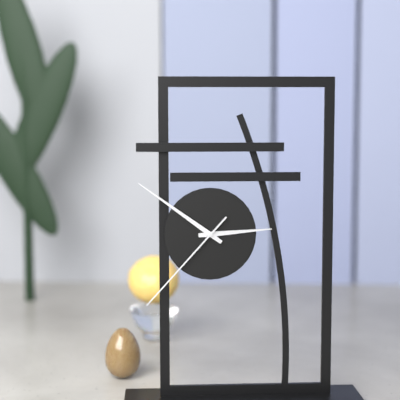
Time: {"hour": 2, "minute": 51, "second": 37}
